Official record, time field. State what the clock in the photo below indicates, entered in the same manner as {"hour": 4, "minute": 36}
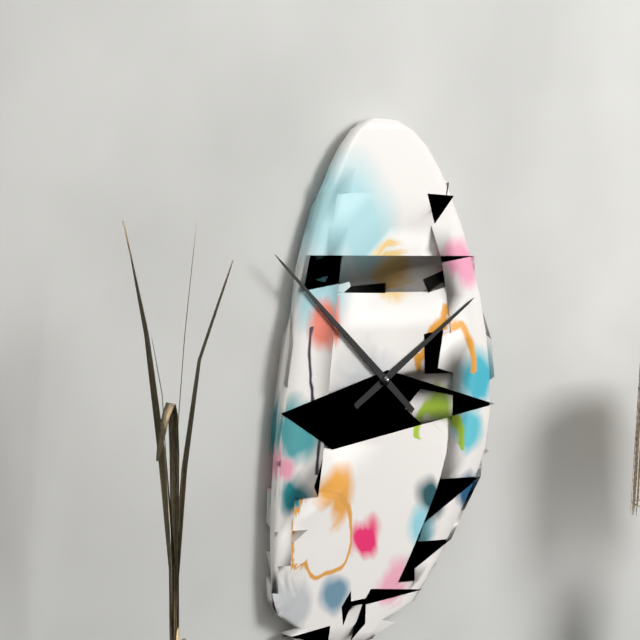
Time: {"hour": 1, "minute": 52}
